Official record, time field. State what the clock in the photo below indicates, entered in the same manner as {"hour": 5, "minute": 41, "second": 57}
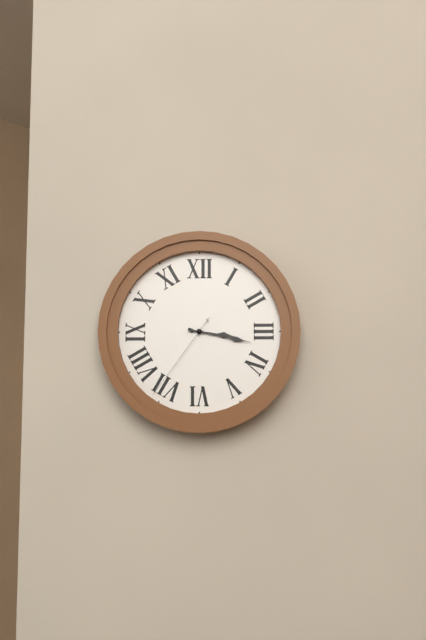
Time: {"hour": 3, "minute": 17, "second": 36}
